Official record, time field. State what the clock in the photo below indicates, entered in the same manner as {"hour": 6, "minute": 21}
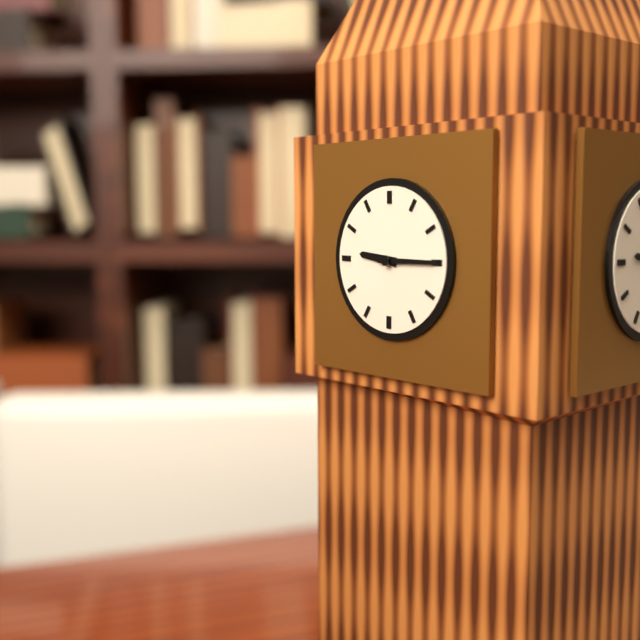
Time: {"hour": 9, "minute": 15}
